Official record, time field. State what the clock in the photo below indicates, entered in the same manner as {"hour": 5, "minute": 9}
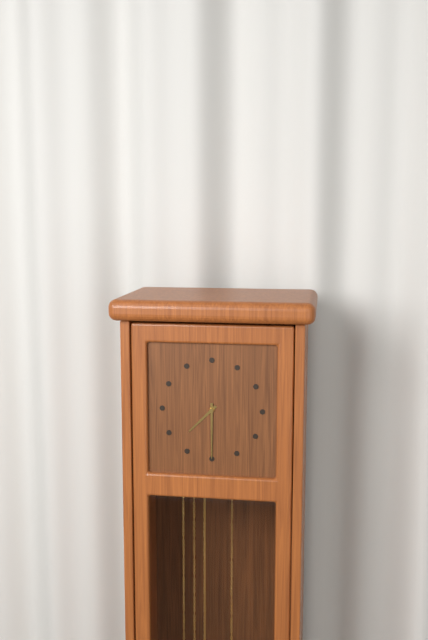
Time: {"hour": 7, "minute": 30}
